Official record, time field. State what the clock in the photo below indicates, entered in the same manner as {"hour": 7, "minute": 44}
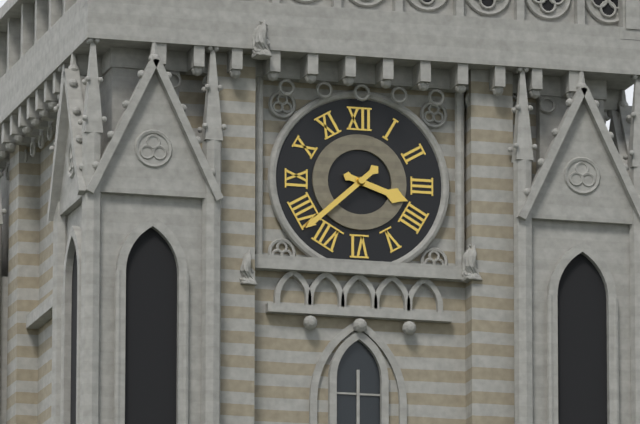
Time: {"hour": 3, "minute": 38}
